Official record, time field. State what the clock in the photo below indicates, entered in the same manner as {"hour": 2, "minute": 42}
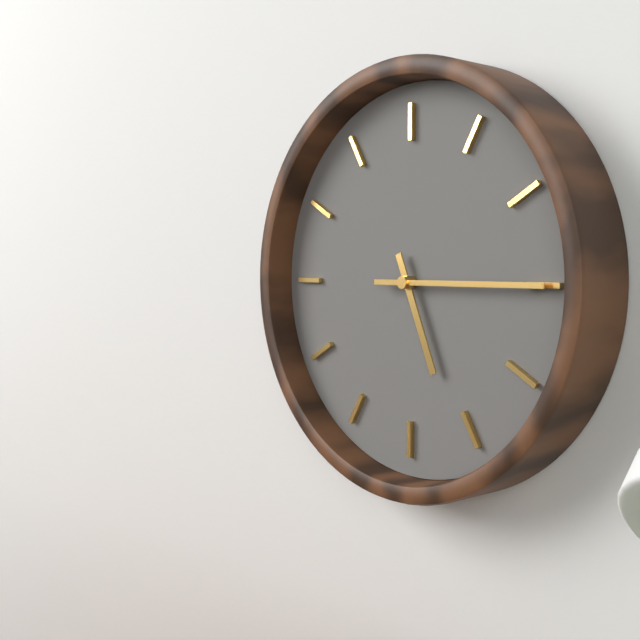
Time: {"hour": 5, "minute": 15}
